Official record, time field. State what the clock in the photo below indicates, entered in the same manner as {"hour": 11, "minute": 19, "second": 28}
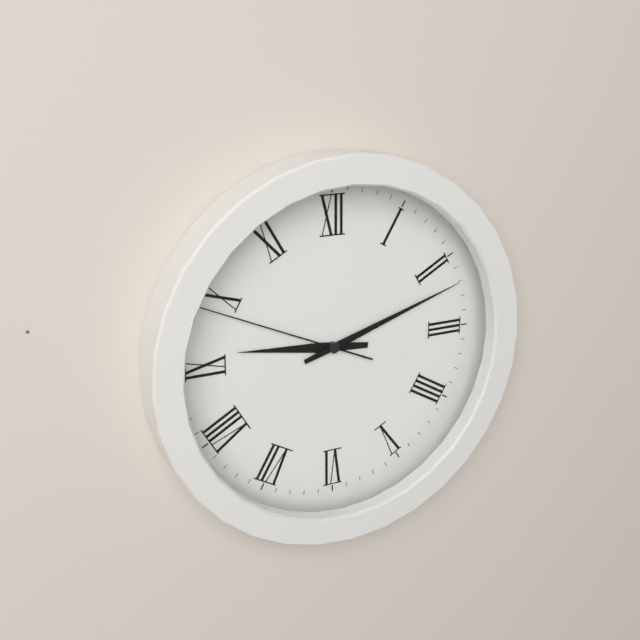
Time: {"hour": 9, "minute": 12, "second": 49}
